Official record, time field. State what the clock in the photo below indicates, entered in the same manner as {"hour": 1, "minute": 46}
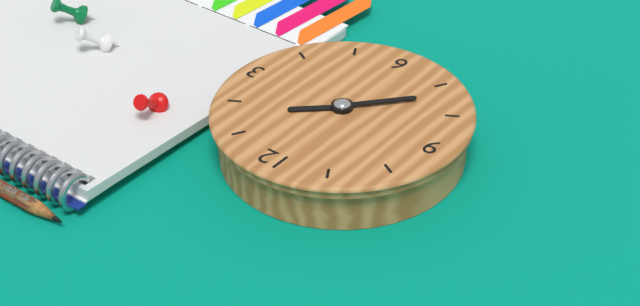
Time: {"hour": 1, "minute": 37}
